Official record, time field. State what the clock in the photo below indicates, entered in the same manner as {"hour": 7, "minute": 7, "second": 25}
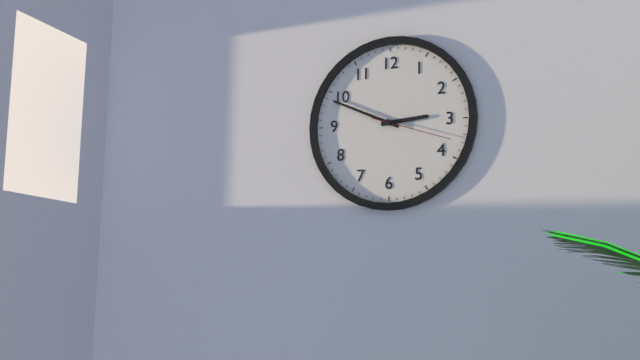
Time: {"hour": 2, "minute": 49, "second": 18}
